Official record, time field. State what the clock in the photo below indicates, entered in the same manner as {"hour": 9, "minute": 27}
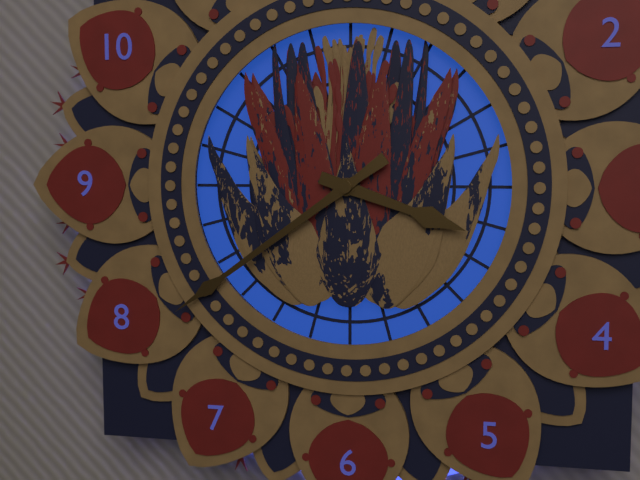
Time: {"hour": 3, "minute": 39}
